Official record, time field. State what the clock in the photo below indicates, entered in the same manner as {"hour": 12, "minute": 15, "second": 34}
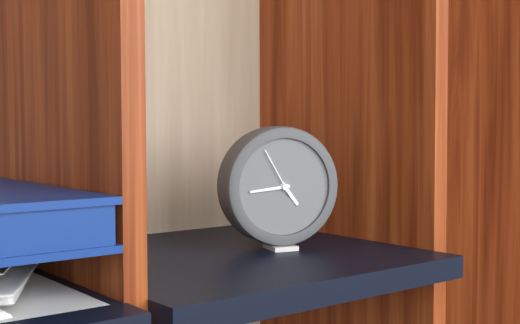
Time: {"hour": 4, "minute": 44, "second": 55}
